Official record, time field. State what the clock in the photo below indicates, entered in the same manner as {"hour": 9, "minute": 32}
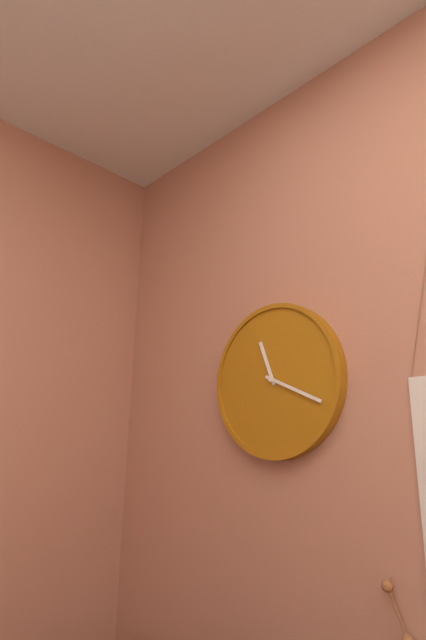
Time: {"hour": 11, "minute": 19}
